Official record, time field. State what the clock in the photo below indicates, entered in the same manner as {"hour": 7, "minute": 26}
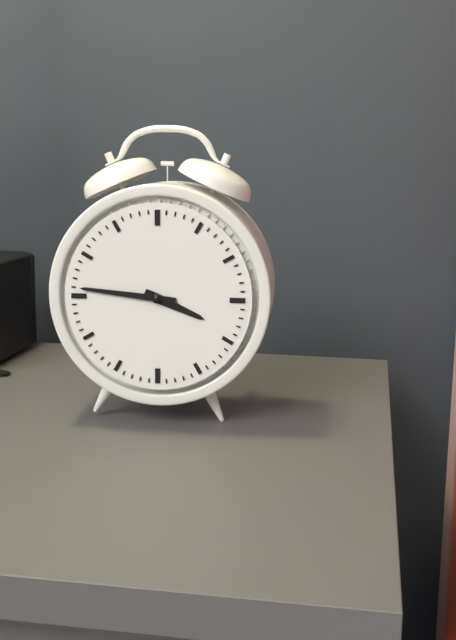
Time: {"hour": 3, "minute": 46}
